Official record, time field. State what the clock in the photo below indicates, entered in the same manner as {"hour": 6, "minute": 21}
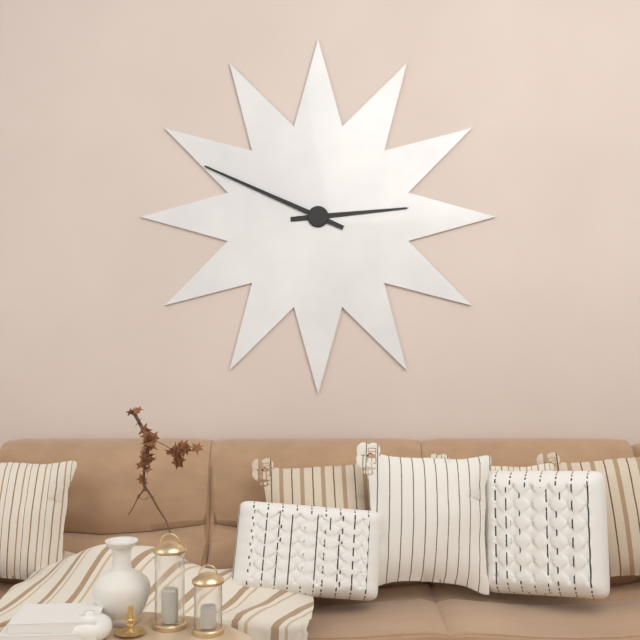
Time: {"hour": 2, "minute": 49}
